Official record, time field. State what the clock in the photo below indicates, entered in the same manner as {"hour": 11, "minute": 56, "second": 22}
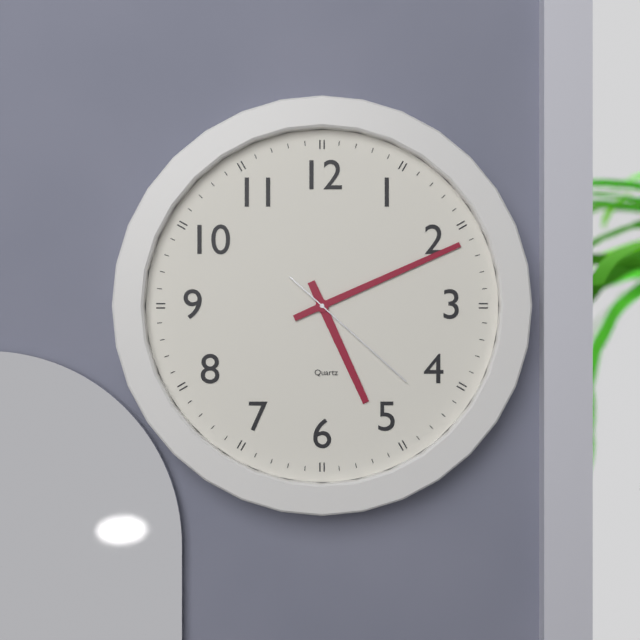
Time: {"hour": 5, "minute": 11, "second": 22}
